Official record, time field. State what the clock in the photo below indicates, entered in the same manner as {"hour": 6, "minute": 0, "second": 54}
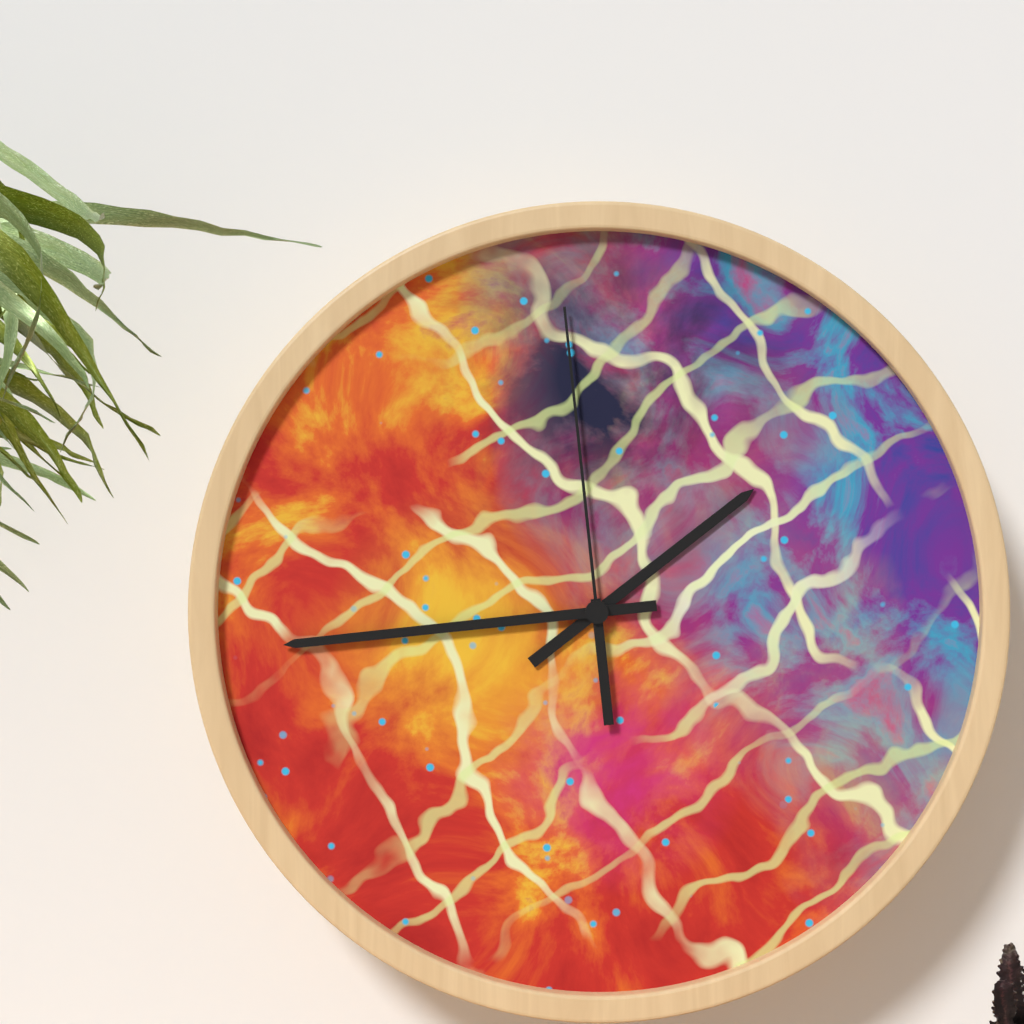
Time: {"hour": 1, "minute": 44, "second": 59}
